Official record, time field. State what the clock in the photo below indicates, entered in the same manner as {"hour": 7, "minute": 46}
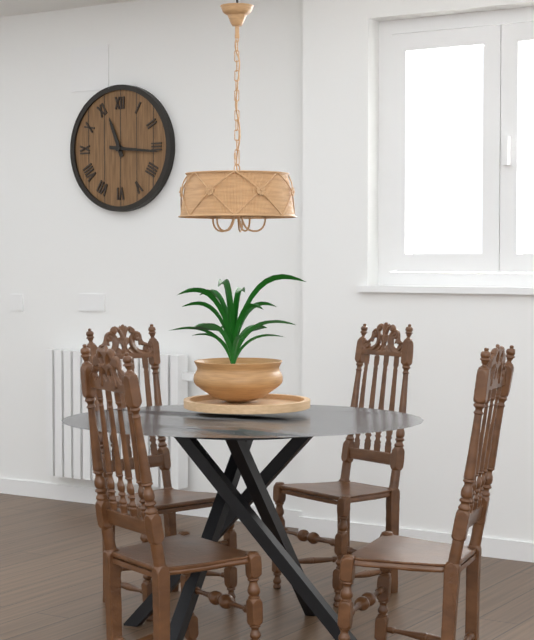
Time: {"hour": 11, "minute": 16}
